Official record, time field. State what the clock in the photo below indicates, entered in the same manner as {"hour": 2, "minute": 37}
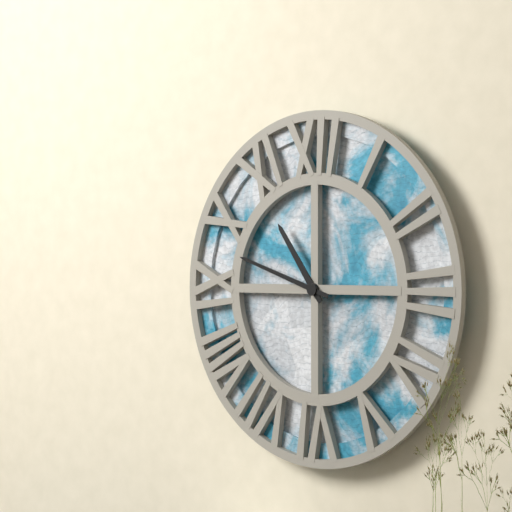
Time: {"hour": 10, "minute": 48}
